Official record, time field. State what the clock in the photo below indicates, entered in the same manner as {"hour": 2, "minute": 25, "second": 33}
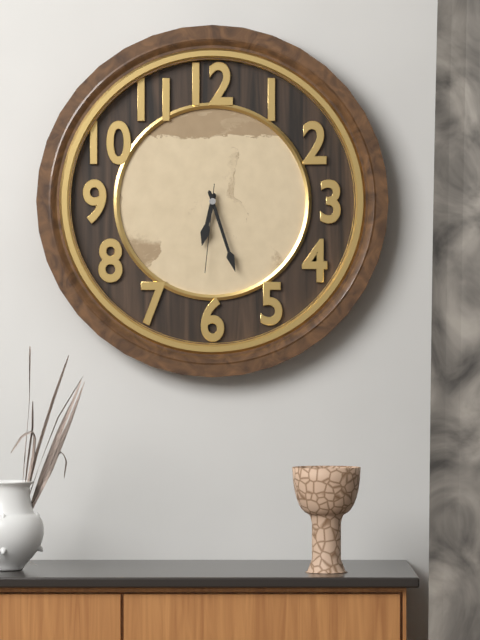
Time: {"hour": 6, "minute": 27, "second": 31}
